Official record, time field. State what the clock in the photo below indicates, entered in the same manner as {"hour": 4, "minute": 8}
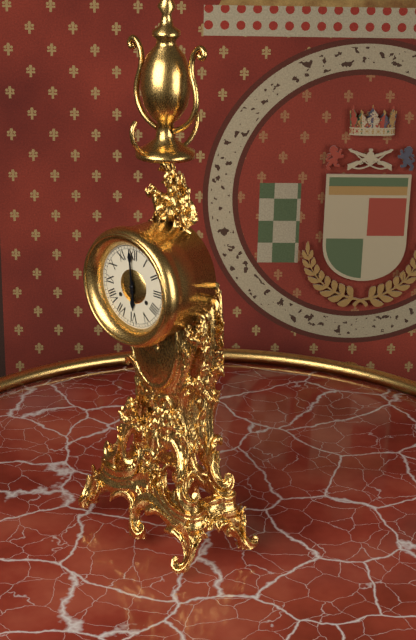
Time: {"hour": 5, "minute": 59}
